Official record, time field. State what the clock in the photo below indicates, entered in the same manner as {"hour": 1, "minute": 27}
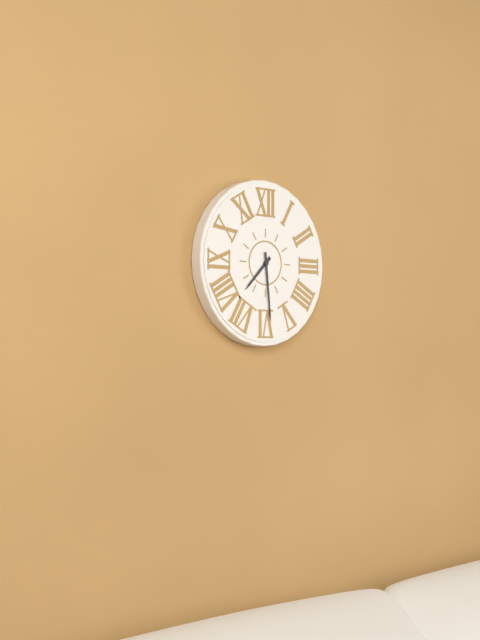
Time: {"hour": 7, "minute": 29}
